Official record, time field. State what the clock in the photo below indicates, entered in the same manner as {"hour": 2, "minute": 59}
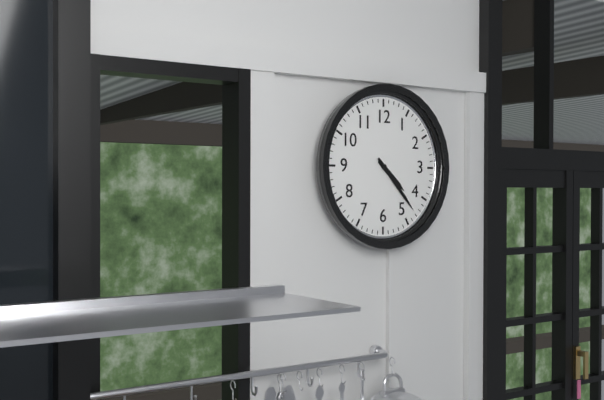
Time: {"hour": 4, "minute": 23}
